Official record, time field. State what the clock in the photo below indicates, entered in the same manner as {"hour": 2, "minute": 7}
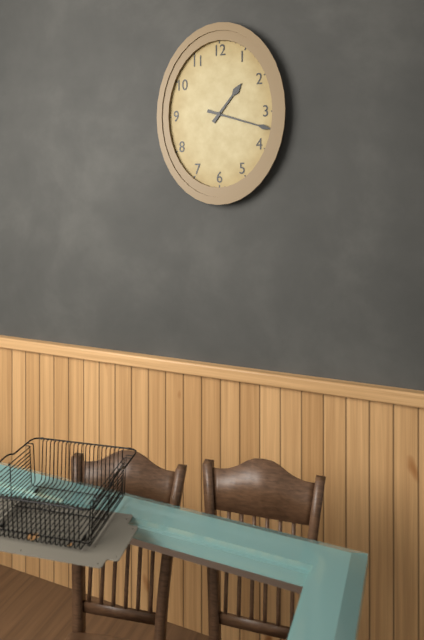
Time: {"hour": 1, "minute": 18}
